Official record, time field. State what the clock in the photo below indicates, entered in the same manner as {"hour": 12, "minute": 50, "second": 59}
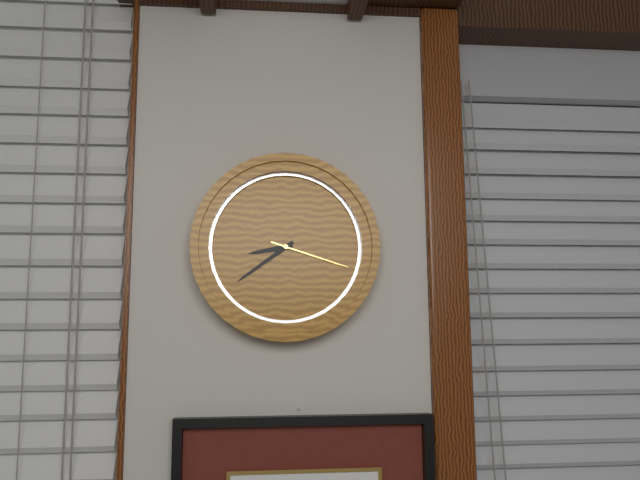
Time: {"hour": 8, "minute": 39, "second": 18}
